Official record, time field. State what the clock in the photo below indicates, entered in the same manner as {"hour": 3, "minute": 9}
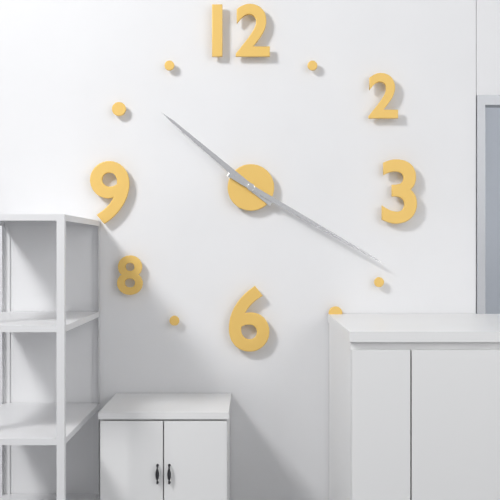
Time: {"hour": 10, "minute": 20}
